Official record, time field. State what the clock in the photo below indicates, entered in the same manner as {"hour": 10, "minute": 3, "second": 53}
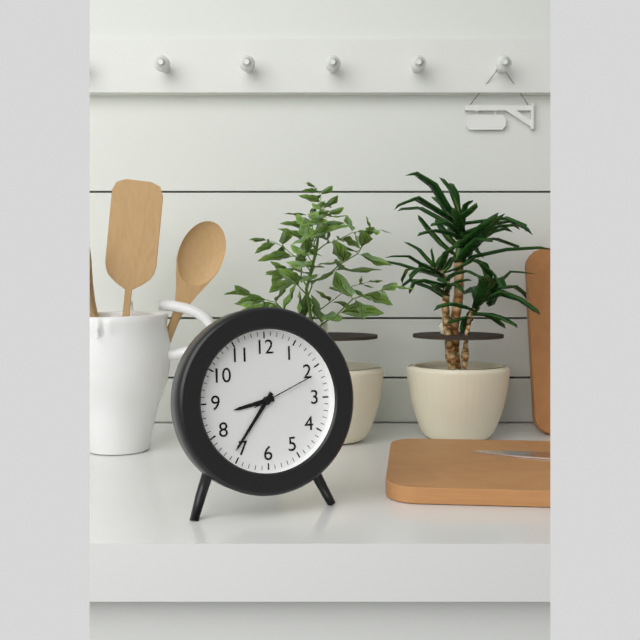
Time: {"hour": 8, "minute": 36, "second": 11}
